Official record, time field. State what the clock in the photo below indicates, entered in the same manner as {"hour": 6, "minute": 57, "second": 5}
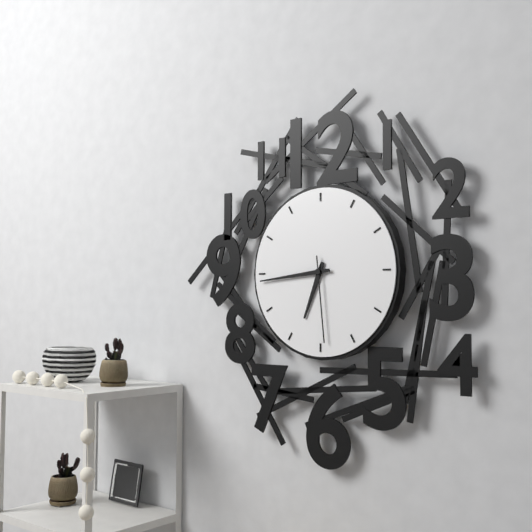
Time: {"hour": 6, "minute": 44, "second": 29}
